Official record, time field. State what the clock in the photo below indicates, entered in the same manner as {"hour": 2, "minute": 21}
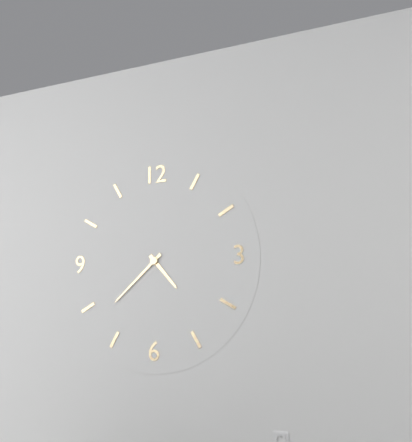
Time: {"hour": 4, "minute": 38}
